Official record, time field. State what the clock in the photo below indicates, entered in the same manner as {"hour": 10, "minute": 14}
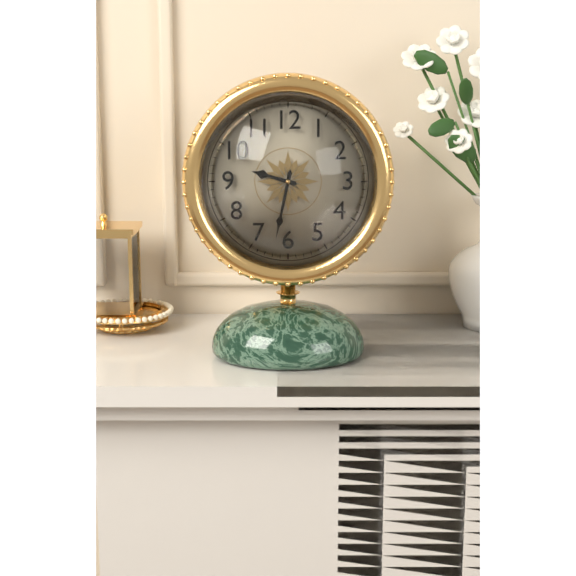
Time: {"hour": 9, "minute": 32}
